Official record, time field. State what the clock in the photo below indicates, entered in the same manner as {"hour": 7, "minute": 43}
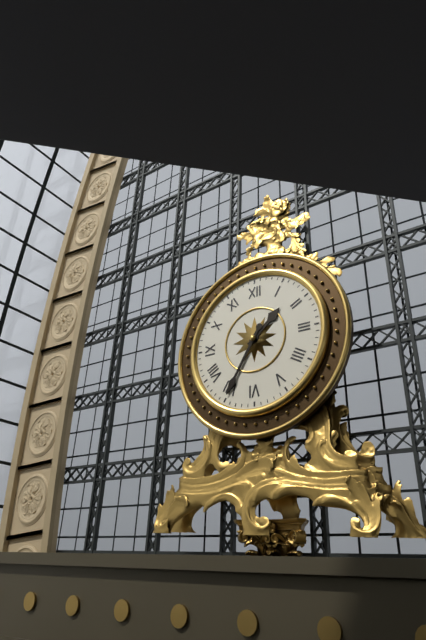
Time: {"hour": 1, "minute": 35}
